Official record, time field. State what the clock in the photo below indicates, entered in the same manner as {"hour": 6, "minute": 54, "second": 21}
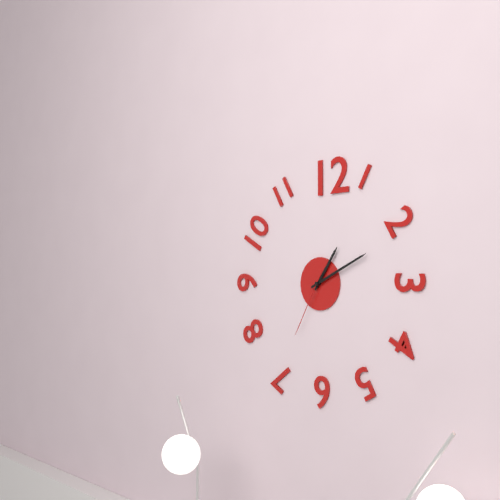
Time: {"hour": 1, "minute": 11, "second": 35}
